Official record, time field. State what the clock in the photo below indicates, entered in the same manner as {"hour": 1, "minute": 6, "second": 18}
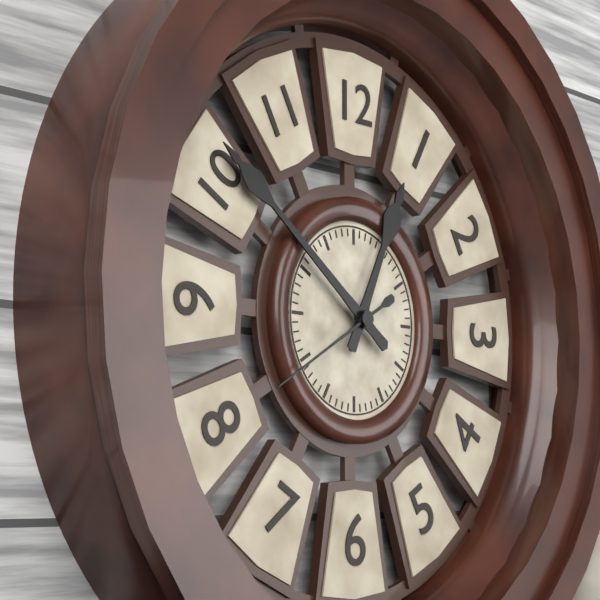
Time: {"hour": 12, "minute": 51, "second": 40}
